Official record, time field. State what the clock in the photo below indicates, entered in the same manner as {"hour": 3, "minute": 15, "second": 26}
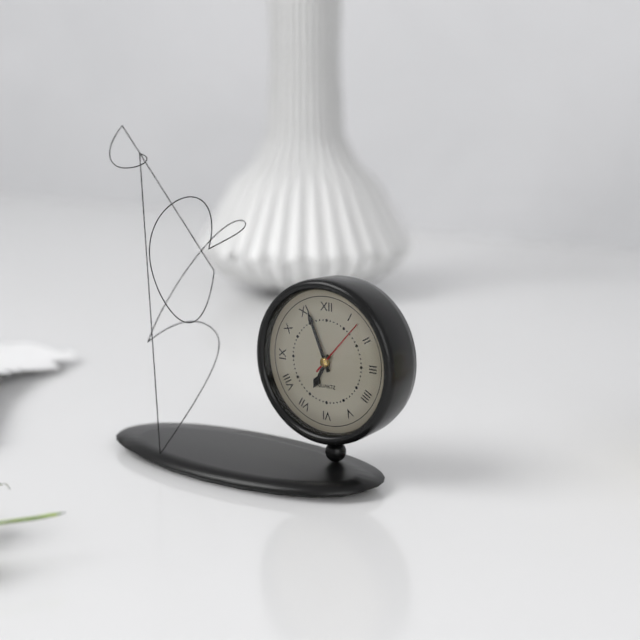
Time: {"hour": 6, "minute": 56, "second": 7}
